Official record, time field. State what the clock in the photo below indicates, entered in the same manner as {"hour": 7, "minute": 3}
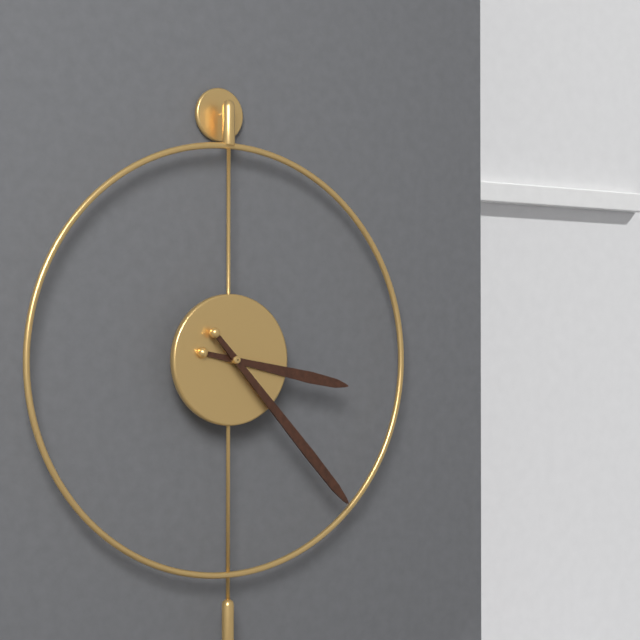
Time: {"hour": 3, "minute": 23}
